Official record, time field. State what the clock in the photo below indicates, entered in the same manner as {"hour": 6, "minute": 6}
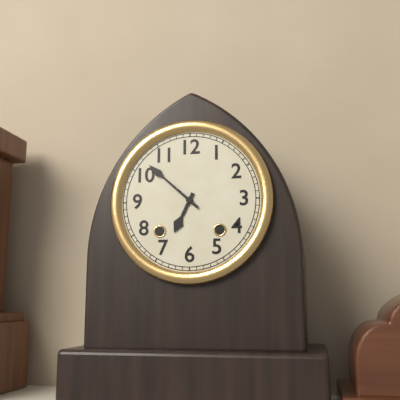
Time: {"hour": 6, "minute": 52}
